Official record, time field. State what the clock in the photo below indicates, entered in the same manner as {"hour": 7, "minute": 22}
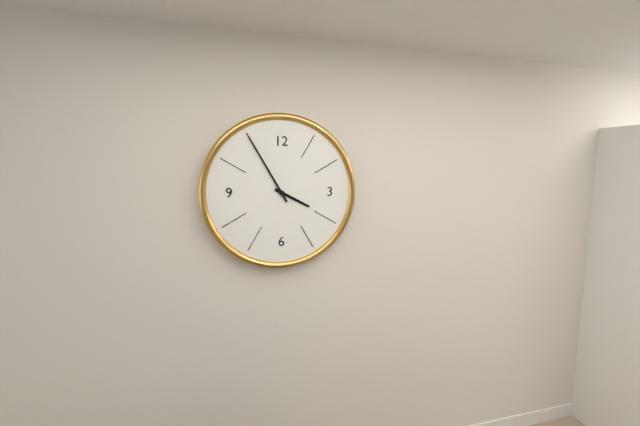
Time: {"hour": 3, "minute": 55}
